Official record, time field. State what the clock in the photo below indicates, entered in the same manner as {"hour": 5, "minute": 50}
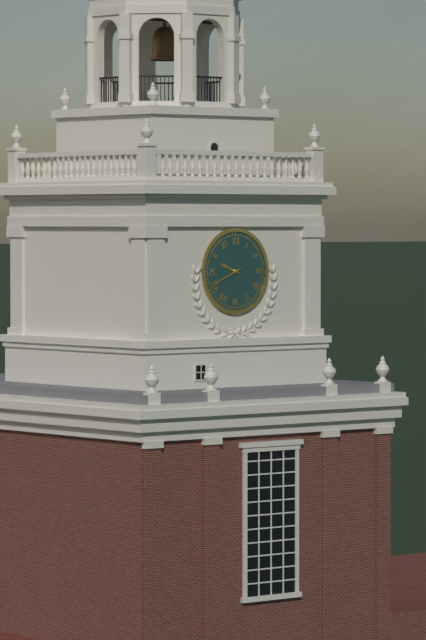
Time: {"hour": 9, "minute": 41}
